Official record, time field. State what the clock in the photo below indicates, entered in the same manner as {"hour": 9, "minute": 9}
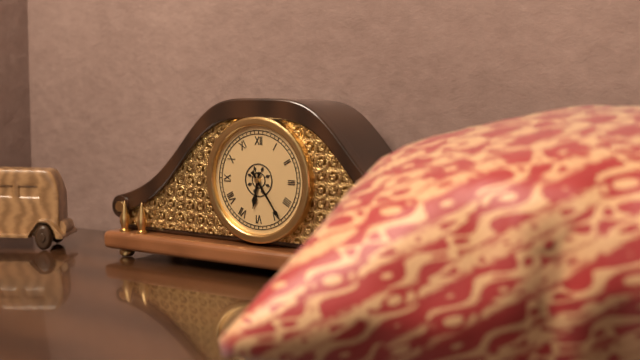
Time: {"hour": 6, "minute": 24}
